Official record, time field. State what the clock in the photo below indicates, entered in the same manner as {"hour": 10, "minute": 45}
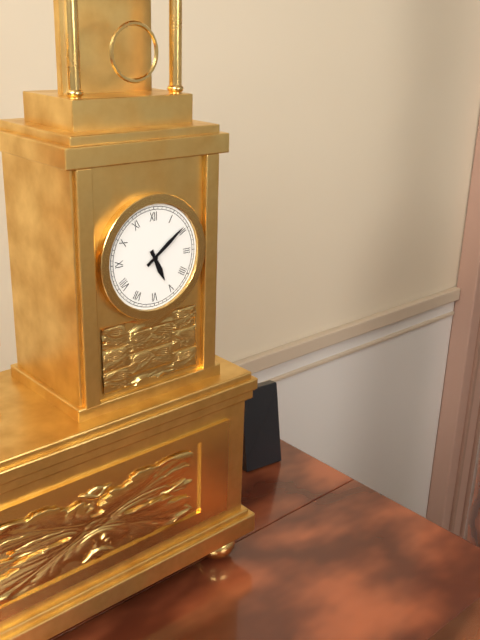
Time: {"hour": 5, "minute": 9}
